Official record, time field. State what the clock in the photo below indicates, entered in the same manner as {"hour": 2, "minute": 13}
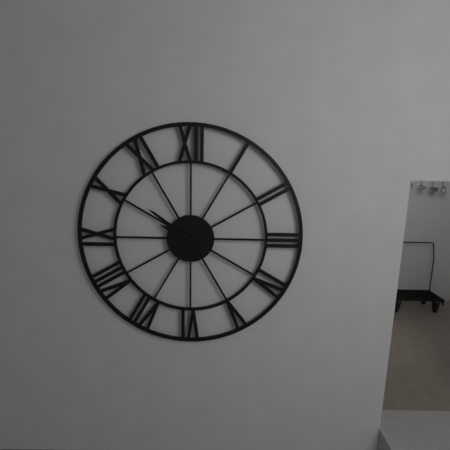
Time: {"hour": 9, "minute": 51}
